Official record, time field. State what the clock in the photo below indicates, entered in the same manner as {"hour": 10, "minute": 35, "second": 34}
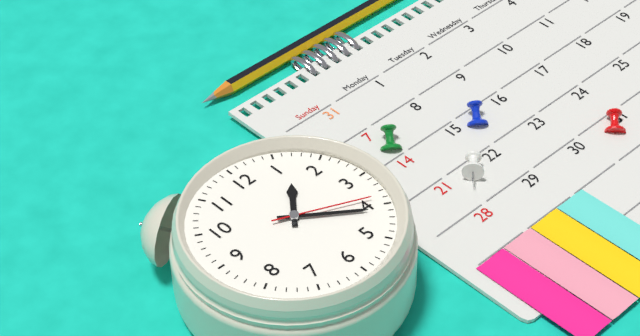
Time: {"hour": 1, "minute": 21, "second": 19}
